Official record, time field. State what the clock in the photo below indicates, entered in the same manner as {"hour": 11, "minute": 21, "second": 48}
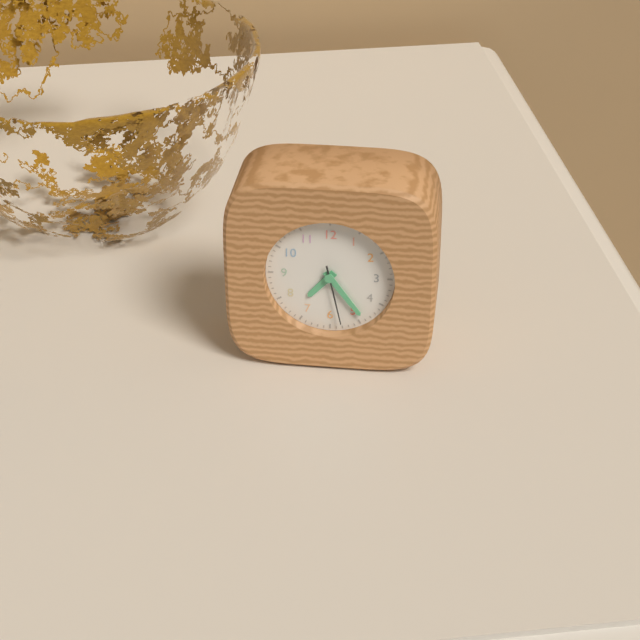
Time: {"hour": 7, "minute": 24, "second": 28}
